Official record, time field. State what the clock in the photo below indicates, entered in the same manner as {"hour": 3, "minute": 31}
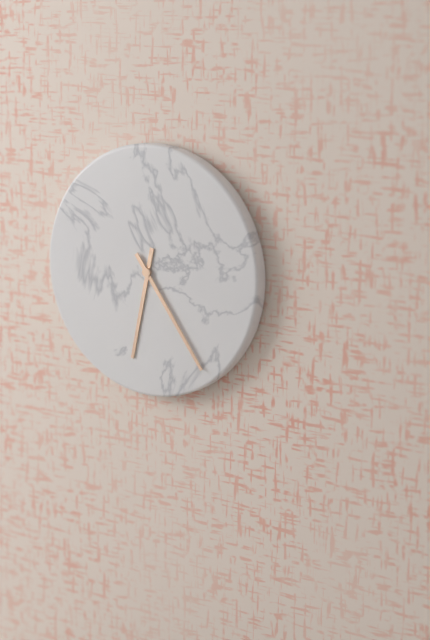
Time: {"hour": 6, "minute": 24}
